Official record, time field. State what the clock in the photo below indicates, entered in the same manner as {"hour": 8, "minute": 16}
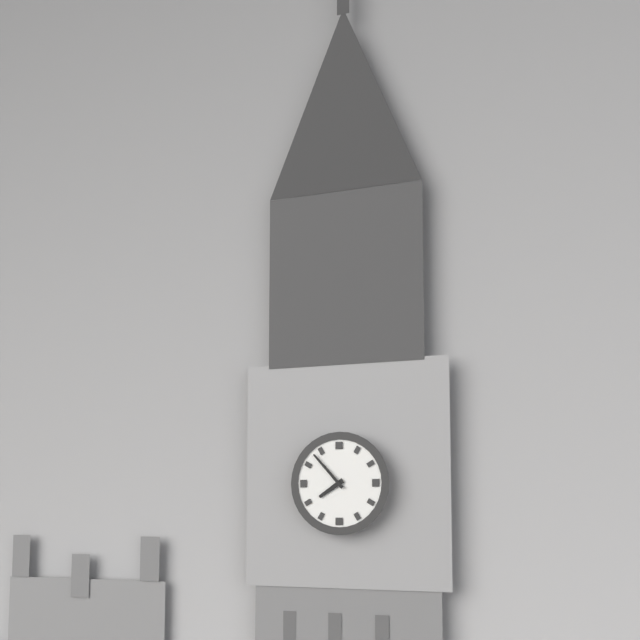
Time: {"hour": 7, "minute": 53}
